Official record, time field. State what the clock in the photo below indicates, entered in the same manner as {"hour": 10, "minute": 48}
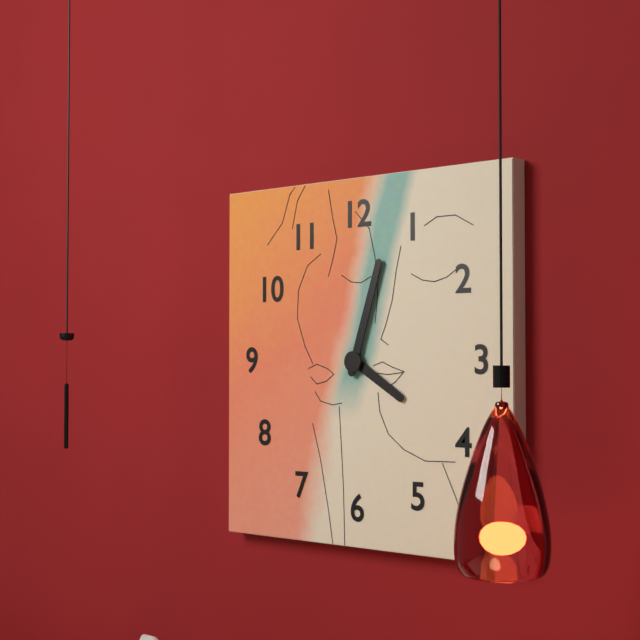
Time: {"hour": 4, "minute": 3}
